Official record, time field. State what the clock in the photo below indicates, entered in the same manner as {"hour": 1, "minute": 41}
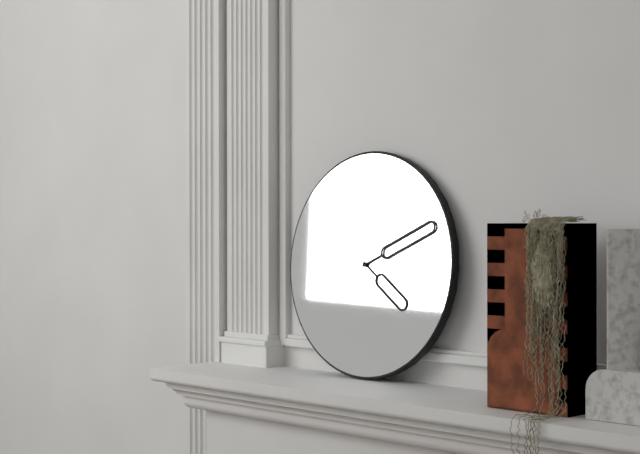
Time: {"hour": 4, "minute": 11}
